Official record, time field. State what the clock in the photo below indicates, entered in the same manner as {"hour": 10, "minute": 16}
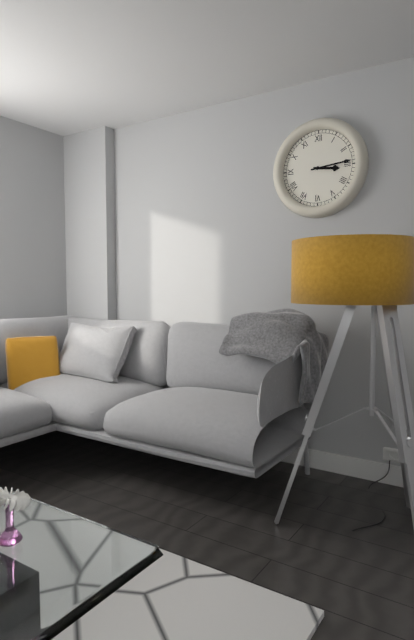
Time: {"hour": 3, "minute": 14}
